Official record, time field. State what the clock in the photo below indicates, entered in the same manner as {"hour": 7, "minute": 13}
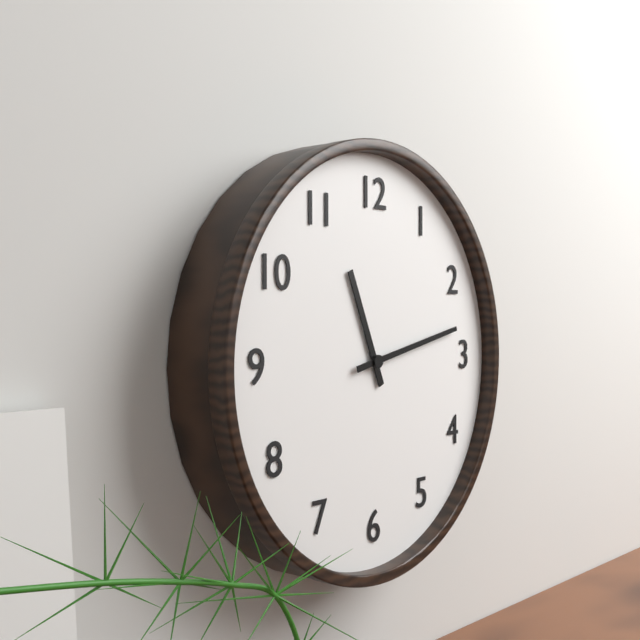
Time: {"hour": 11, "minute": 13}
